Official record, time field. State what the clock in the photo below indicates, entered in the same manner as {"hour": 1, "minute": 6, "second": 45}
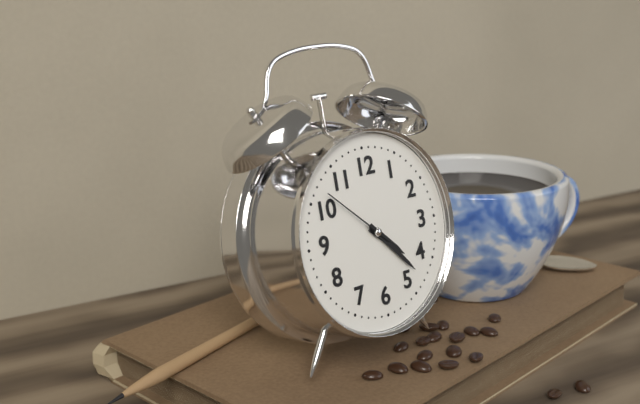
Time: {"hour": 4, "minute": 23, "second": 52}
